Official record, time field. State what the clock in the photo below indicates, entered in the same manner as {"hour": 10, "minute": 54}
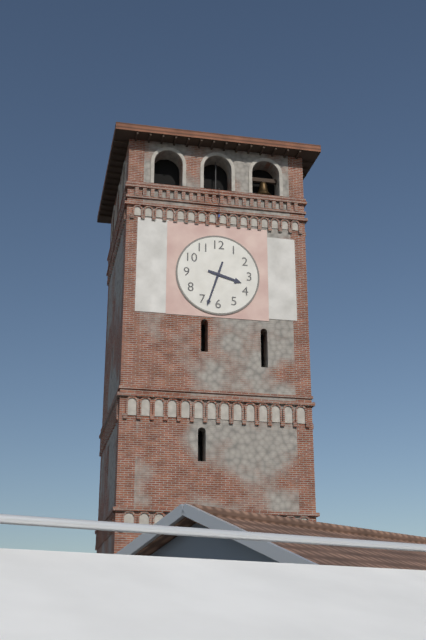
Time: {"hour": 3, "minute": 33}
